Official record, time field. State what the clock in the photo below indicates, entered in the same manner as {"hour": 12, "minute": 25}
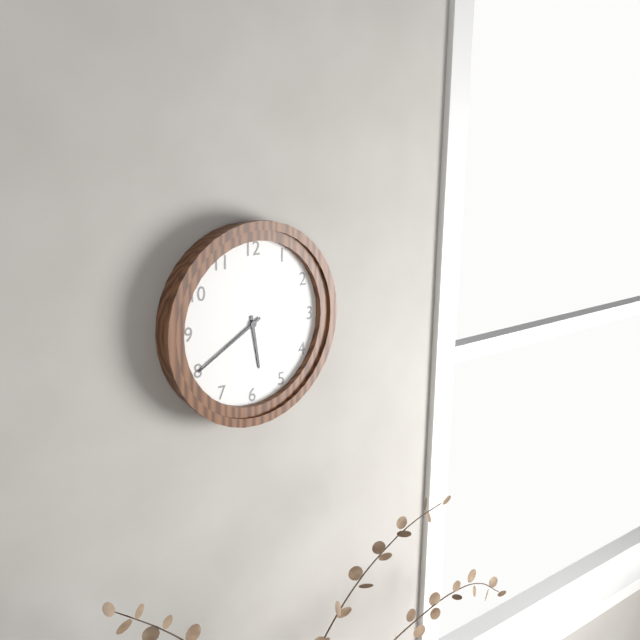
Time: {"hour": 5, "minute": 40}
